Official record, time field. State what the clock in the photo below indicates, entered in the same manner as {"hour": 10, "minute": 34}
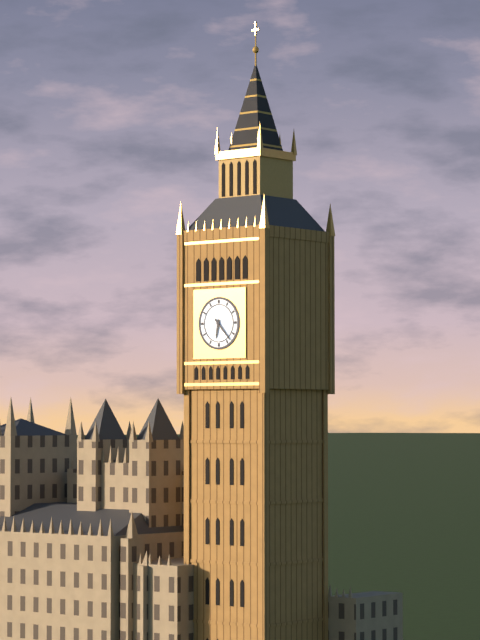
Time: {"hour": 6, "minute": 23}
